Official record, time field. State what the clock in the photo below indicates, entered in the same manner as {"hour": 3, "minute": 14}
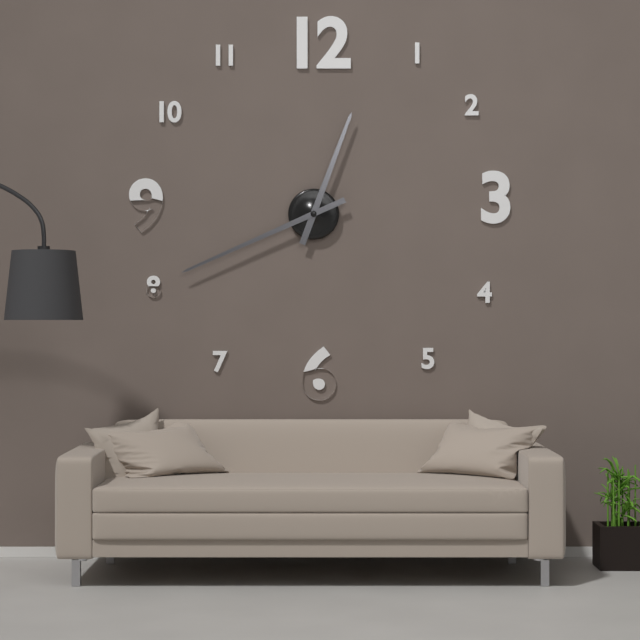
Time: {"hour": 12, "minute": 41}
